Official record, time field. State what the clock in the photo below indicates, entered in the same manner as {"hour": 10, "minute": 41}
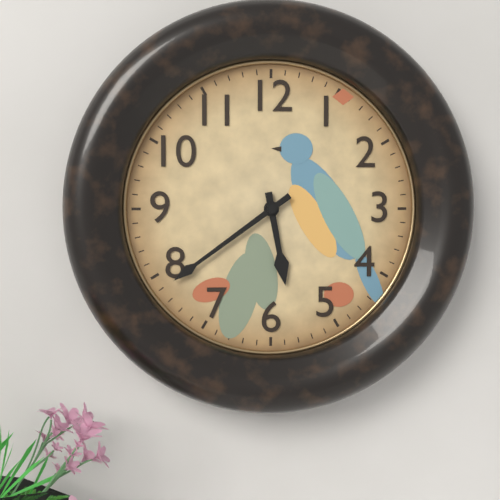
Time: {"hour": 5, "minute": 39}
